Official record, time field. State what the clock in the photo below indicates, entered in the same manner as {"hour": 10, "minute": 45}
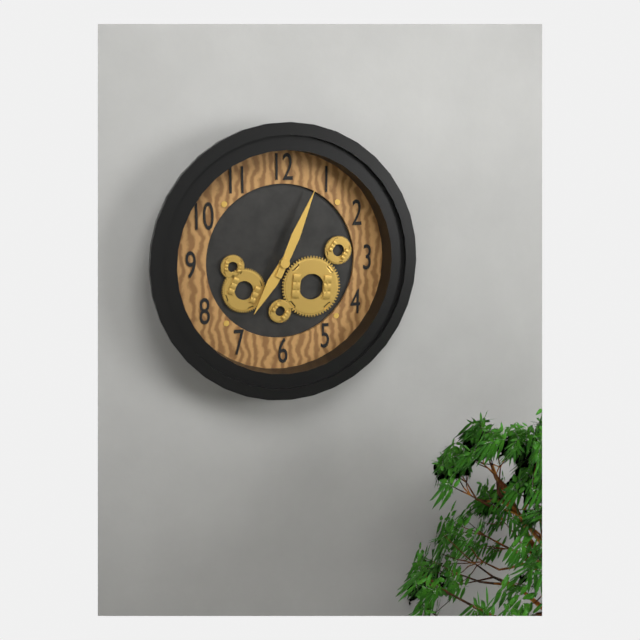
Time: {"hour": 7, "minute": 4}
